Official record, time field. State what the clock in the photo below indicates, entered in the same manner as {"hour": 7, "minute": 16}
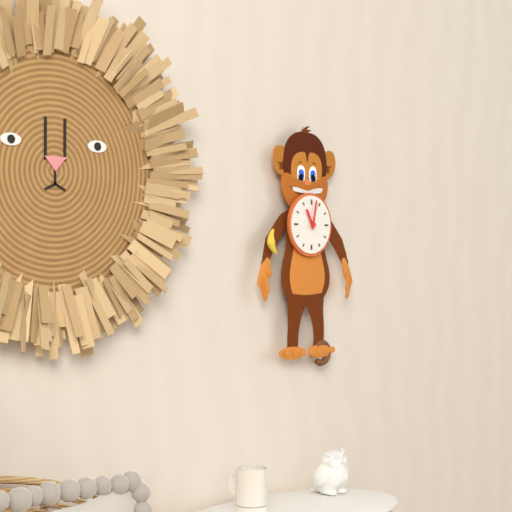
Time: {"hour": 11, "minute": 2}
